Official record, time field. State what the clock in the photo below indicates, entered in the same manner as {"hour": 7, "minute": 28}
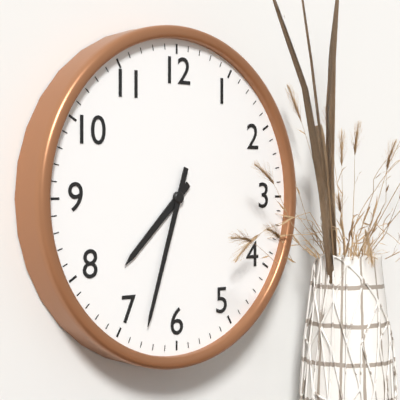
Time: {"hour": 7, "minute": 33}
